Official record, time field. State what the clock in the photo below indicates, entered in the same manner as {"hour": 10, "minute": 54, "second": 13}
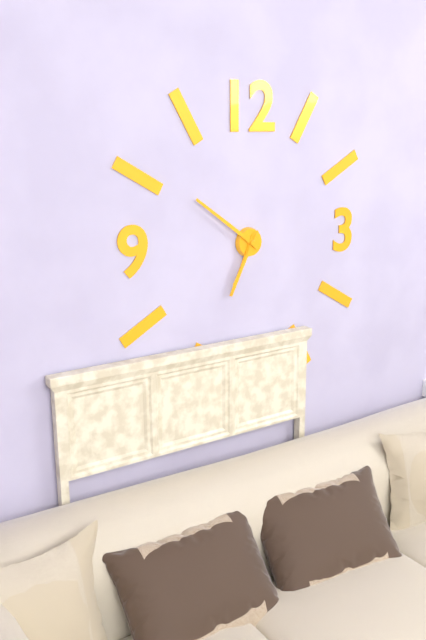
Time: {"hour": 6, "minute": 51, "second": 35}
